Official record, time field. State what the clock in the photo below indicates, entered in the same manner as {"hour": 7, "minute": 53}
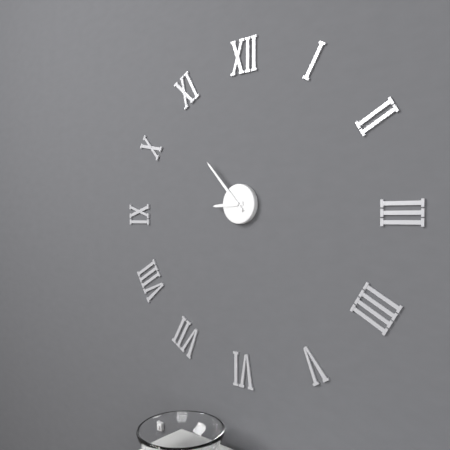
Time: {"hour": 8, "minute": 53}
